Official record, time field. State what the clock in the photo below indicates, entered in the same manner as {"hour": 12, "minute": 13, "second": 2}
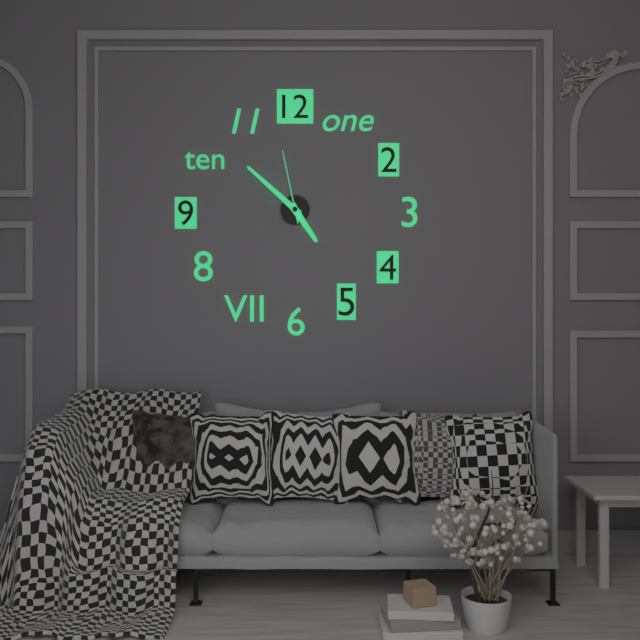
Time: {"hour": 4, "minute": 52, "second": 58}
